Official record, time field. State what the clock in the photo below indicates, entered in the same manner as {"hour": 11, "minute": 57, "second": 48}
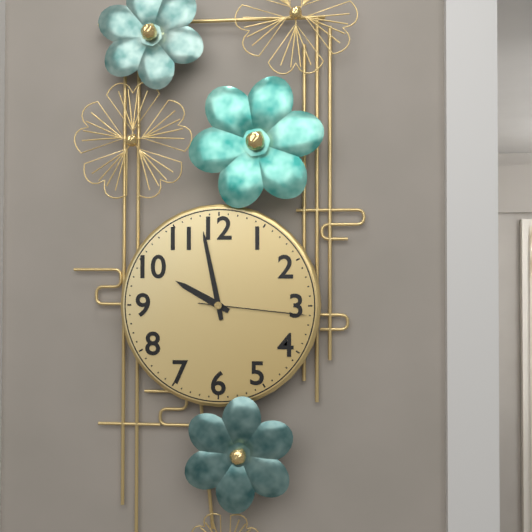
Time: {"hour": 9, "minute": 58, "second": 16}
